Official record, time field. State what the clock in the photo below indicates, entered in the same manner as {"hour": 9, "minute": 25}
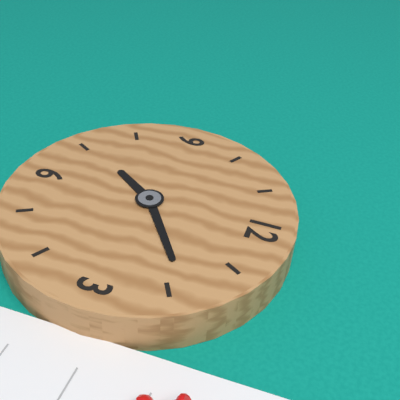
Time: {"hour": 7, "minute": 9}
